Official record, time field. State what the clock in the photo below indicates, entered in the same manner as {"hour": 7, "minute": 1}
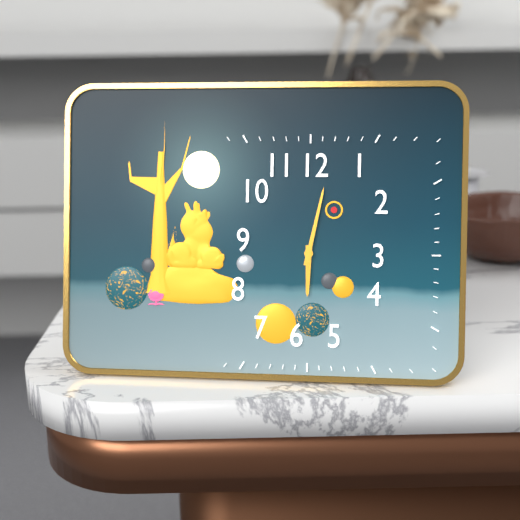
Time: {"hour": 6, "minute": 2}
